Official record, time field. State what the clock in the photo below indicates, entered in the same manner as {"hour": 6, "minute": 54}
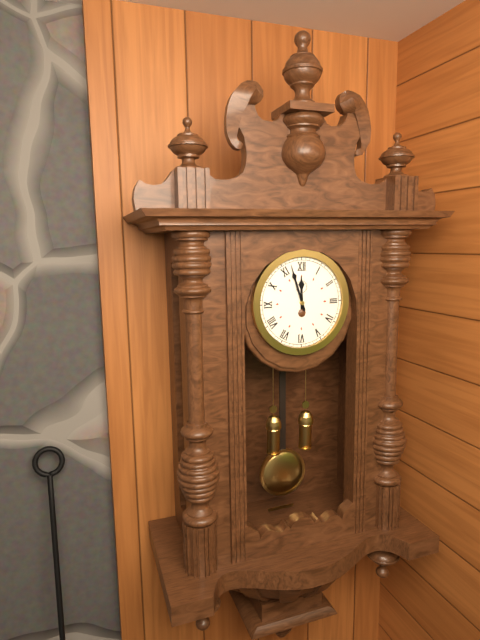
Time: {"hour": 11, "minute": 57}
